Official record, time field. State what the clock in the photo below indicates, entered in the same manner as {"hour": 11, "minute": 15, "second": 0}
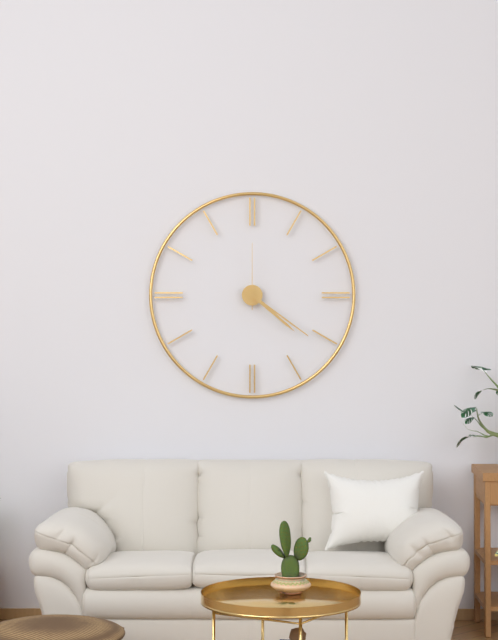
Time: {"hour": 4, "minute": 21, "second": 0}
